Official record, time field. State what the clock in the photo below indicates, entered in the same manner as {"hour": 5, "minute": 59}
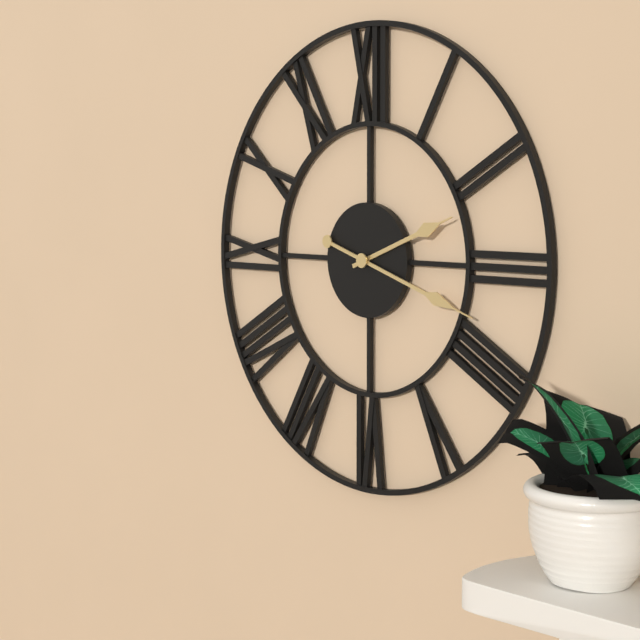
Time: {"hour": 2, "minute": 18}
